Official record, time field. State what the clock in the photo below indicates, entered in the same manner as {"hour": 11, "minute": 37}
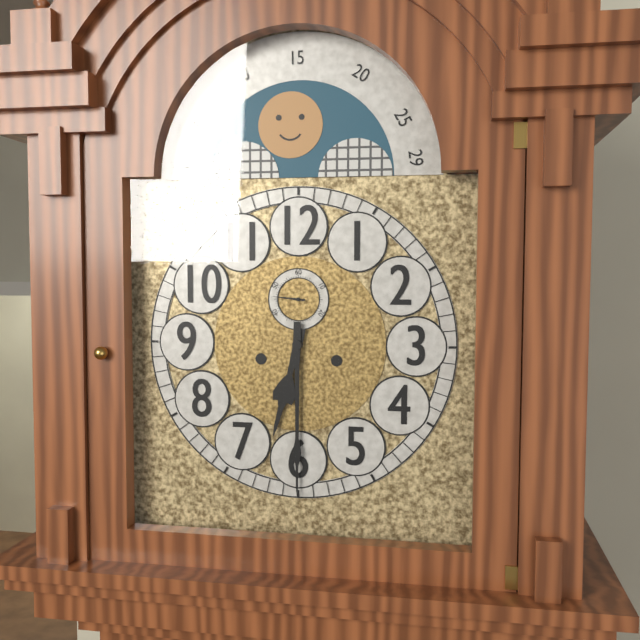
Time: {"hour": 6, "minute": 30}
